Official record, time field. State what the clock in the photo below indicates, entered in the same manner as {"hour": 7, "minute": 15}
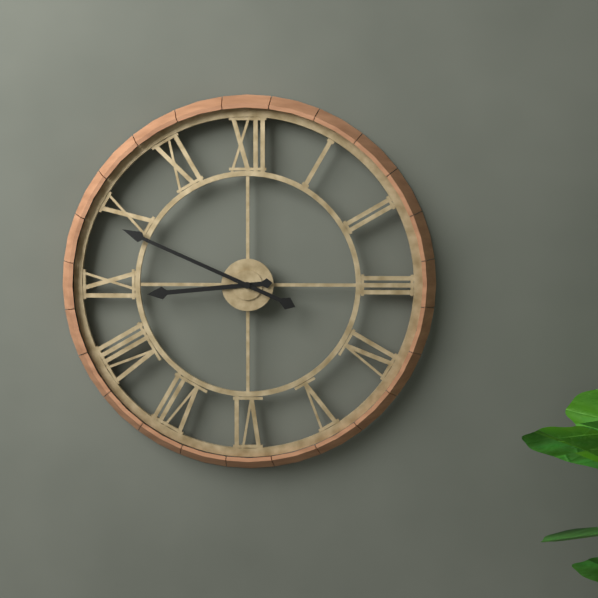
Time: {"hour": 8, "minute": 49}
